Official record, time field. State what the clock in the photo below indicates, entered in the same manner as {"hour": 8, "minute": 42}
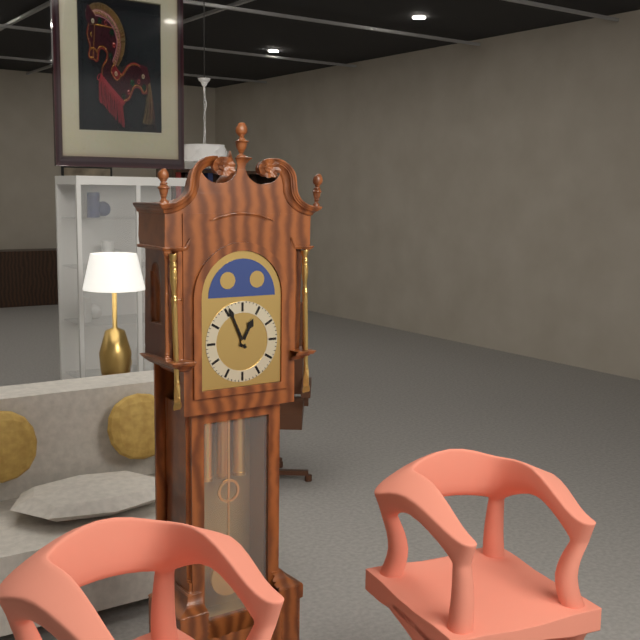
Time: {"hour": 12, "minute": 56}
